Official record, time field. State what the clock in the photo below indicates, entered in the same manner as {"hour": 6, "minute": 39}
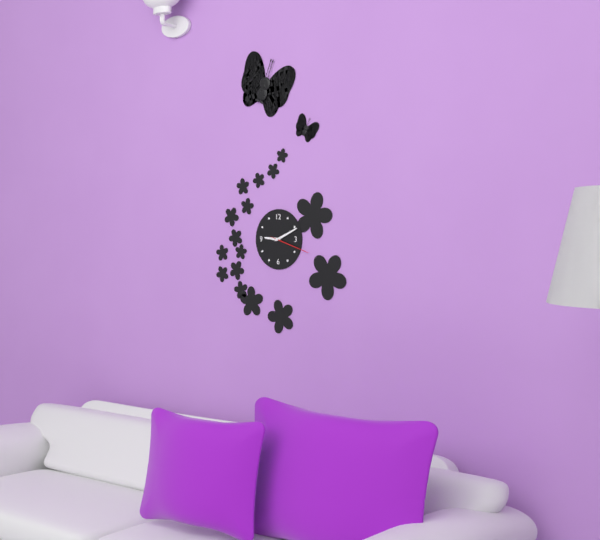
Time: {"hour": 9, "minute": 11}
